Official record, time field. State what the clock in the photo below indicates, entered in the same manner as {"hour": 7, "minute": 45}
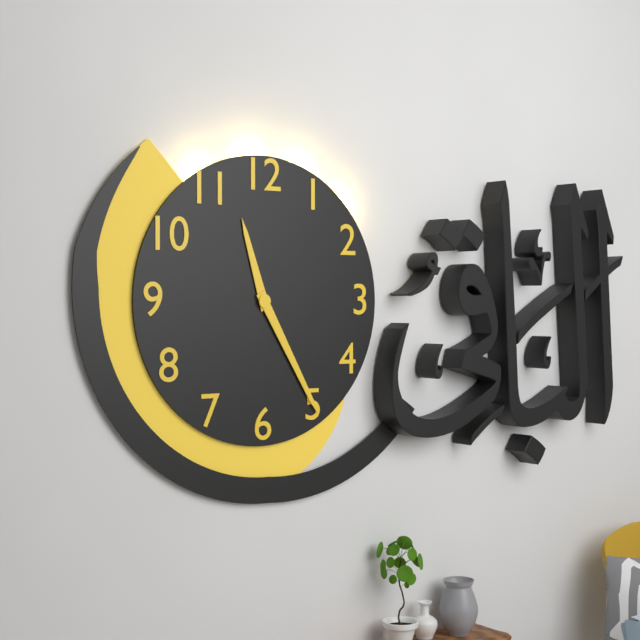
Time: {"hour": 11, "minute": 25}
